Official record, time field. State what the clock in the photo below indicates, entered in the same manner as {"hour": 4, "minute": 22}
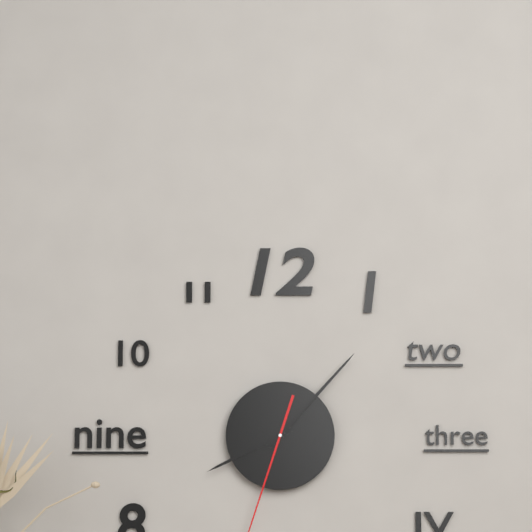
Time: {"hour": 8, "minute": 7}
